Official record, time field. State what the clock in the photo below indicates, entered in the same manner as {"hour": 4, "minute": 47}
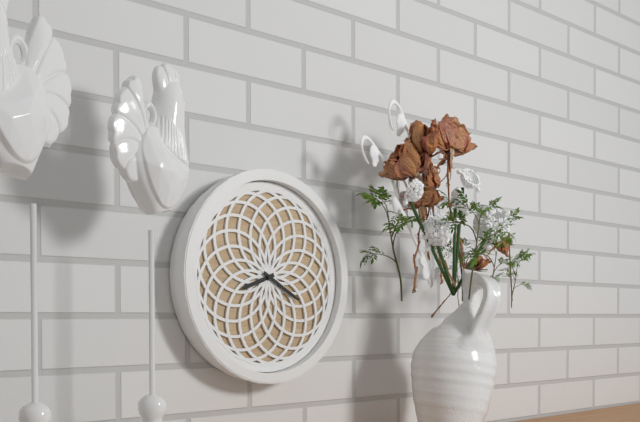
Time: {"hour": 8, "minute": 20}
